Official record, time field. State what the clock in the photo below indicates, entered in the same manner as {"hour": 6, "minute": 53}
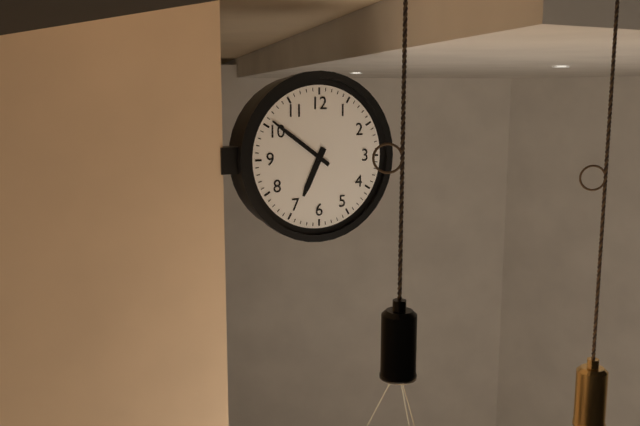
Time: {"hour": 6, "minute": 51}
